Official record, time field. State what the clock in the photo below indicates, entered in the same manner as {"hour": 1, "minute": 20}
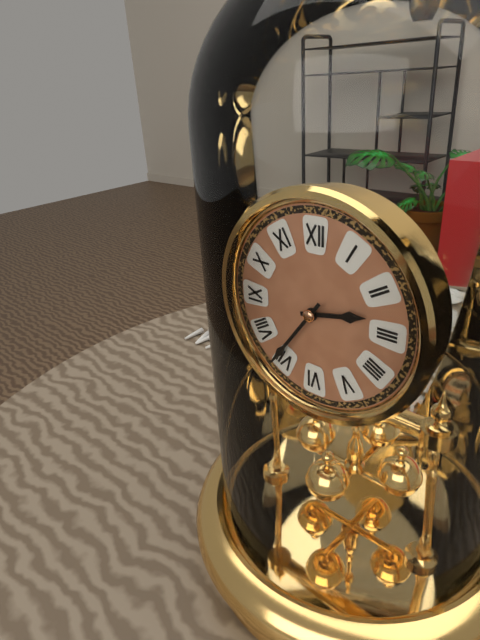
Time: {"hour": 2, "minute": 36}
